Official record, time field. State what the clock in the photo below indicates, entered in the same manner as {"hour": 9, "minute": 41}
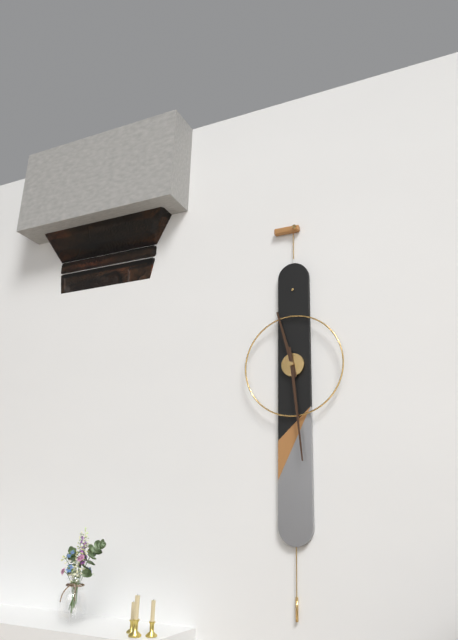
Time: {"hour": 11, "minute": 29}
